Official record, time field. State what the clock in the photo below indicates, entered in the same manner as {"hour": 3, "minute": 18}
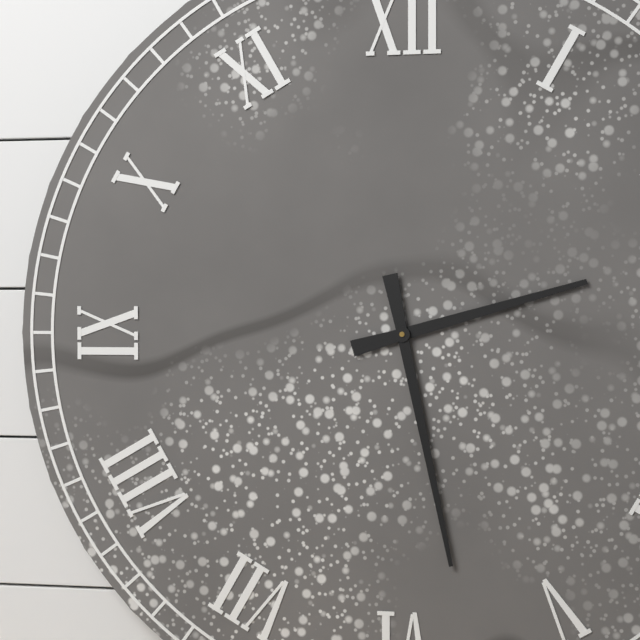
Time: {"hour": 2, "minute": 28}
